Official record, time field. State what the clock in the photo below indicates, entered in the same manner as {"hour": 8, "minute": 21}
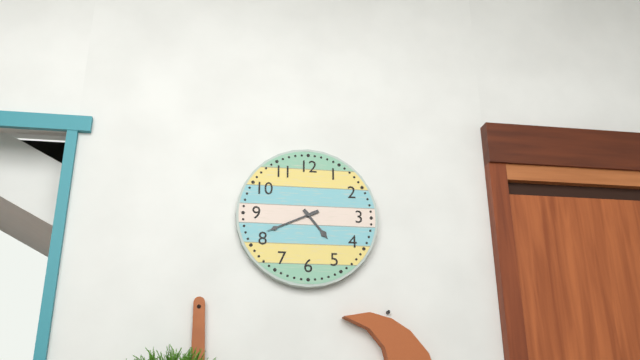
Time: {"hour": 4, "minute": 41}
